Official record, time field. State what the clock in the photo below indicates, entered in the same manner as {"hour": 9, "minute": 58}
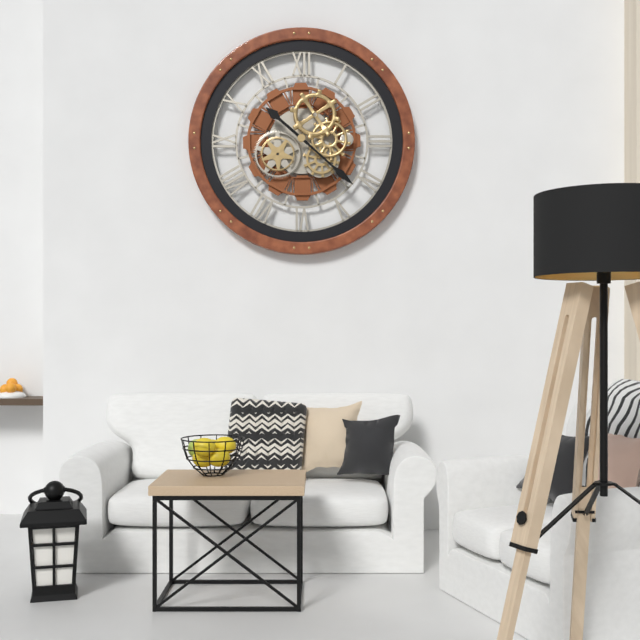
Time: {"hour": 10, "minute": 22}
